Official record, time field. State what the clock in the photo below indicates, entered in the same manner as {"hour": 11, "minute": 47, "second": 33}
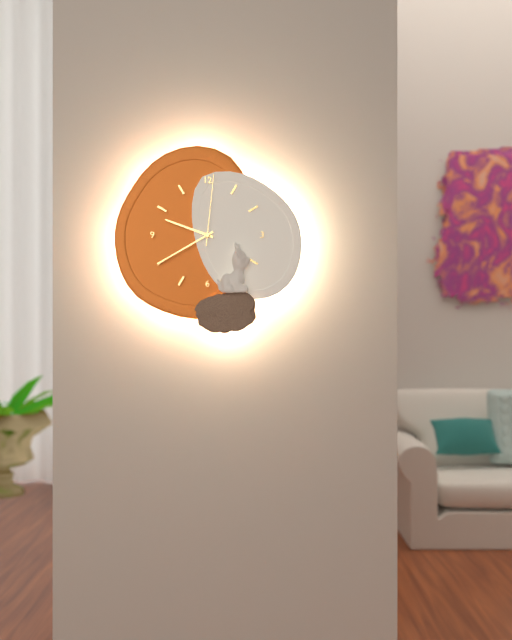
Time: {"hour": 9, "minute": 40, "second": 1}
